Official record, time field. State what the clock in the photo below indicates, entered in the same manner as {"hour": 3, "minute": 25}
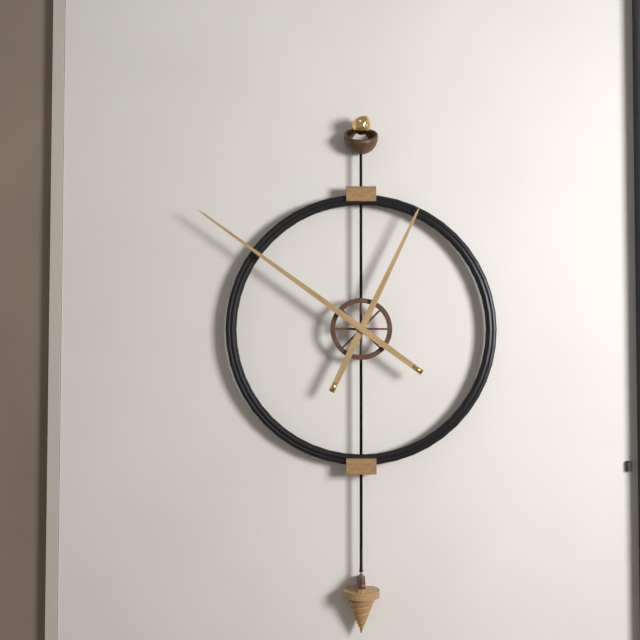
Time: {"hour": 12, "minute": 51}
